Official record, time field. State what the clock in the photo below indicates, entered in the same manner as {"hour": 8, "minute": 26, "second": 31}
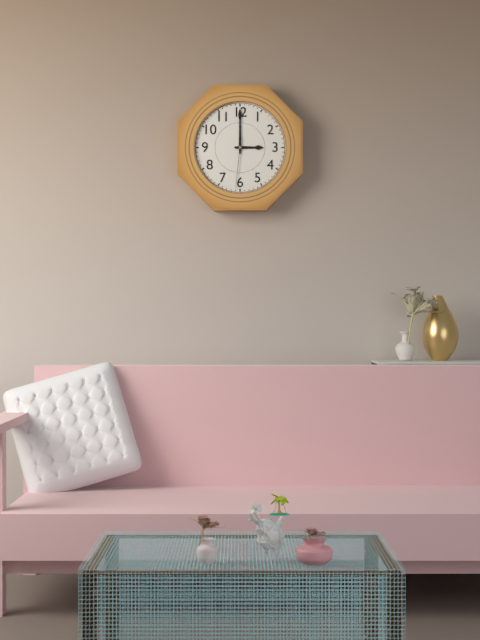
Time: {"hour": 3, "minute": 0, "second": 31}
